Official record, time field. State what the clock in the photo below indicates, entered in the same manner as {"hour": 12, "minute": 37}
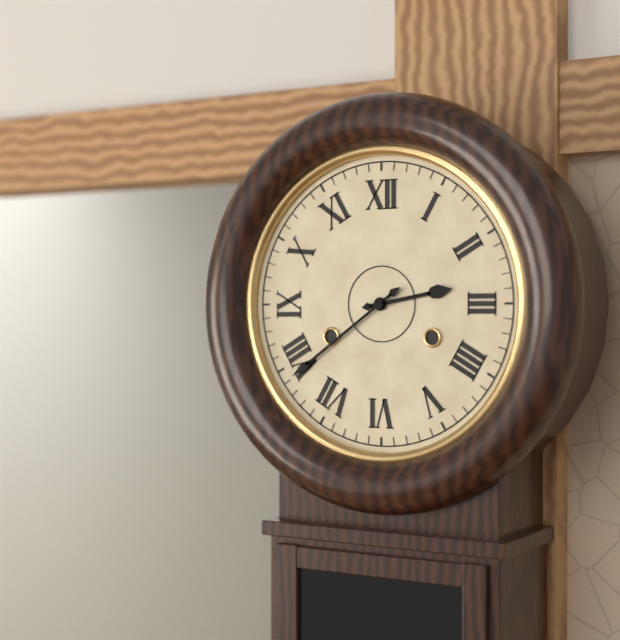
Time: {"hour": 2, "minute": 39}
